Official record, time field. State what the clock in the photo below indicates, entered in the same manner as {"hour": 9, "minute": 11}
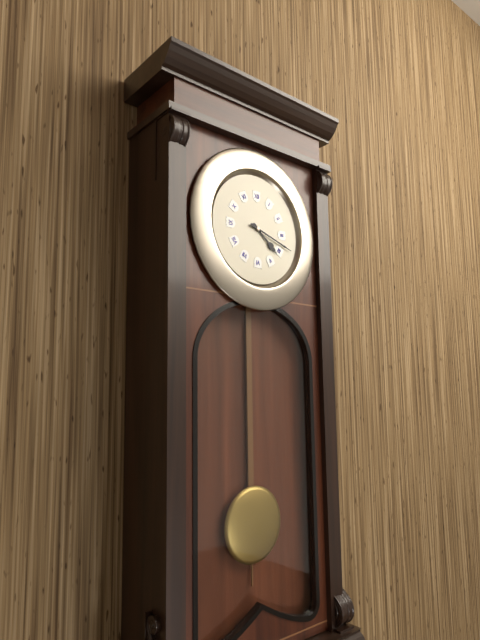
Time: {"hour": 4, "minute": 18}
